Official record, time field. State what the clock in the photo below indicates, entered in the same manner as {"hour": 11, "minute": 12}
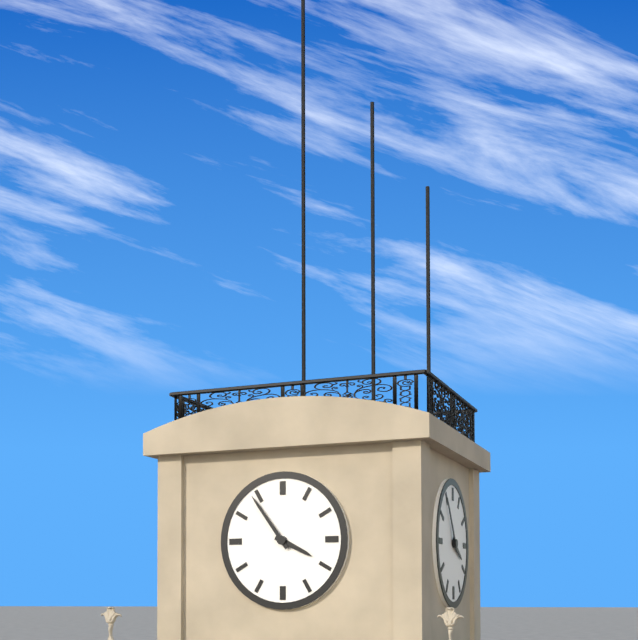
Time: {"hour": 3, "minute": 54}
